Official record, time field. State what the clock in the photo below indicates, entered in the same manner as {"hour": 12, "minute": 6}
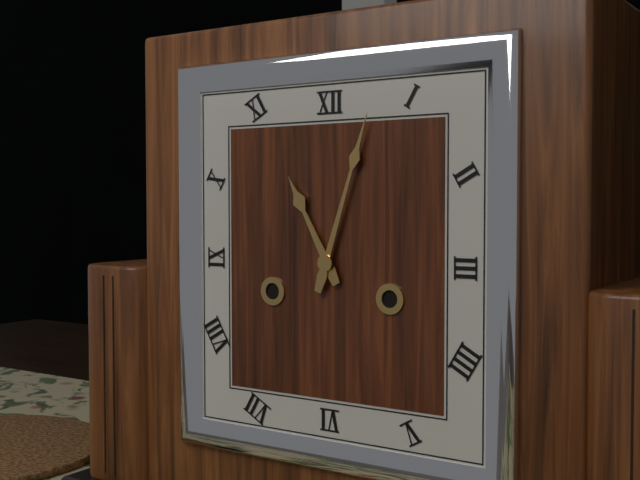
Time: {"hour": 11, "minute": 3}
